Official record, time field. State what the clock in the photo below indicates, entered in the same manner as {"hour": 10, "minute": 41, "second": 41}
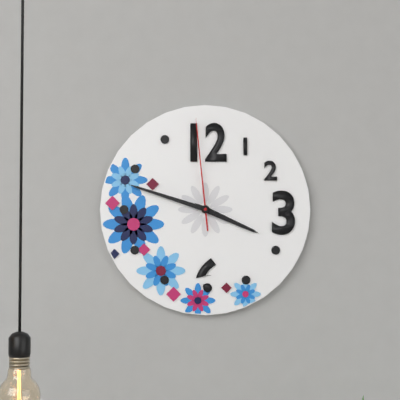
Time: {"hour": 3, "minute": 48, "second": 59}
